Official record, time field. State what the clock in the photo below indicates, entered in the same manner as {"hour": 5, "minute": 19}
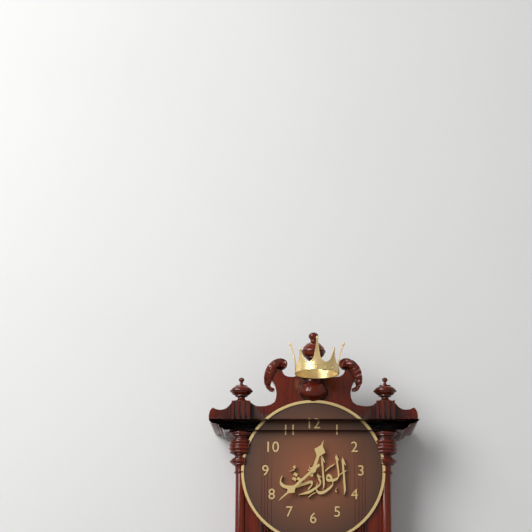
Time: {"hour": 12, "minute": 38}
